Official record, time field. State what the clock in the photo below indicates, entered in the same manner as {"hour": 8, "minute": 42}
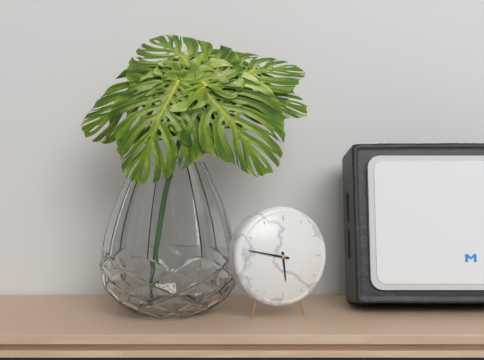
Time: {"hour": 5, "minute": 47}
